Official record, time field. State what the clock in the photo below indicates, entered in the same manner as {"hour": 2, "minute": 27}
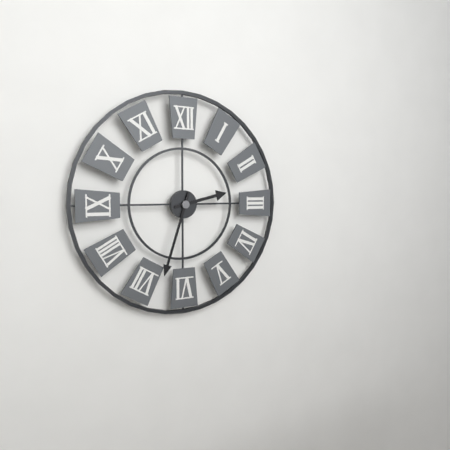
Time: {"hour": 2, "minute": 33}
